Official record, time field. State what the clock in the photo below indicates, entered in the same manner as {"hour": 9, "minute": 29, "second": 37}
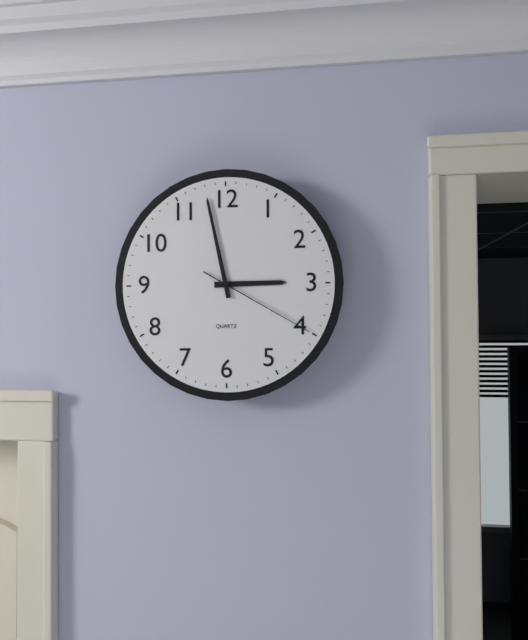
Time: {"hour": 2, "minute": 58, "second": 20}
